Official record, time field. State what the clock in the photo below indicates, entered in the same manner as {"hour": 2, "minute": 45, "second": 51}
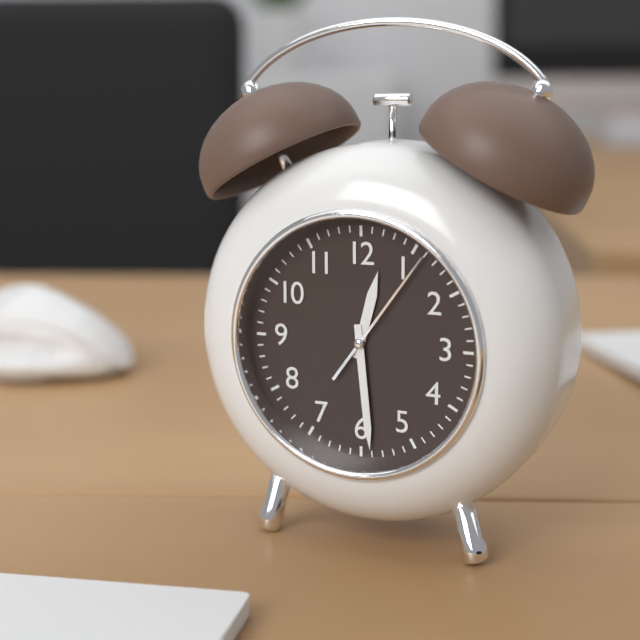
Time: {"hour": 12, "minute": 29, "second": 6}
